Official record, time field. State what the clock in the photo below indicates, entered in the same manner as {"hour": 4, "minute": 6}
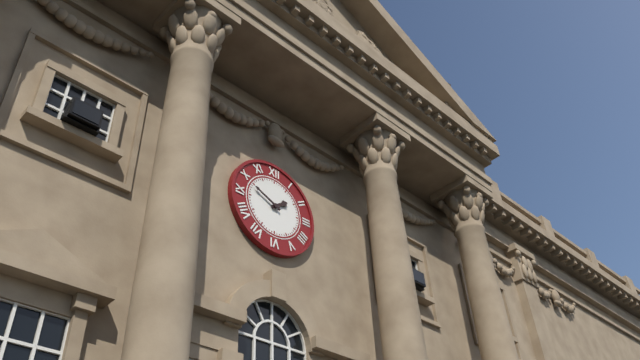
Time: {"hour": 1, "minute": 49}
